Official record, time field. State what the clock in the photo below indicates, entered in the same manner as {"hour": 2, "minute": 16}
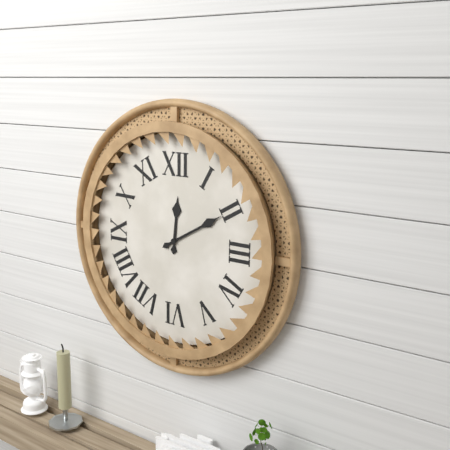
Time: {"hour": 12, "minute": 10}
